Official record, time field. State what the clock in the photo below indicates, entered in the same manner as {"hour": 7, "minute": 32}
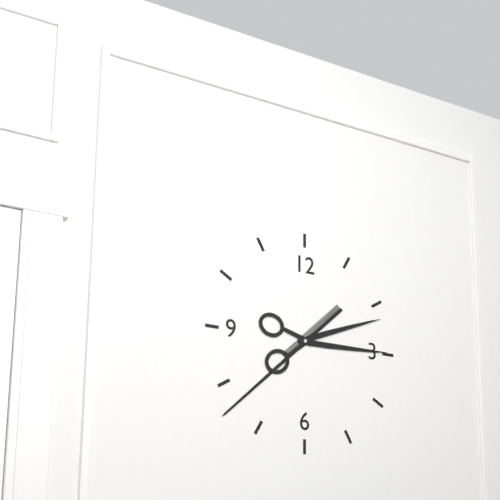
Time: {"hour": 2, "minute": 38}
